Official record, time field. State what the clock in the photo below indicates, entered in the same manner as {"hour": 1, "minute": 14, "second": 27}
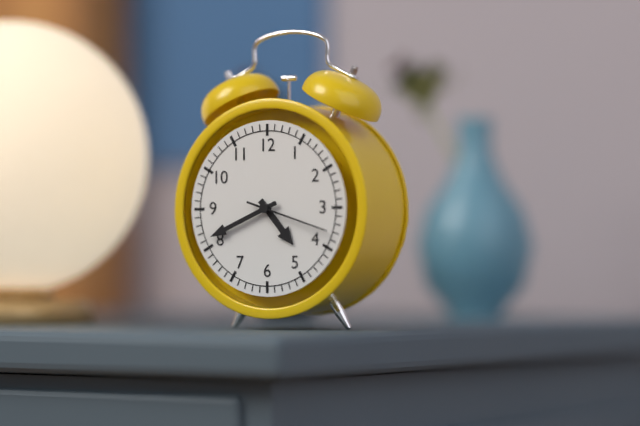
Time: {"hour": 4, "minute": 41, "second": 18}
